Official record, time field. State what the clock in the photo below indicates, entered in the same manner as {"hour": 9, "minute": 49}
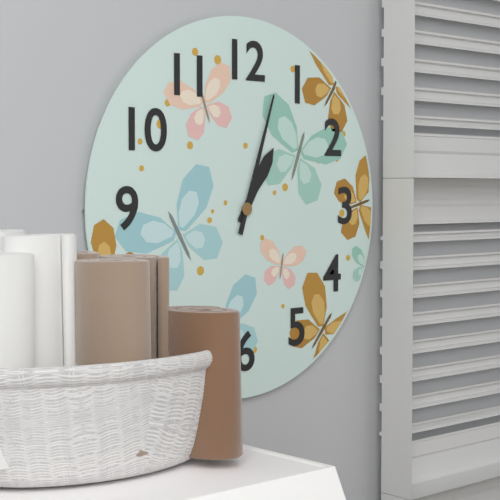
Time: {"hour": 1, "minute": 3}
